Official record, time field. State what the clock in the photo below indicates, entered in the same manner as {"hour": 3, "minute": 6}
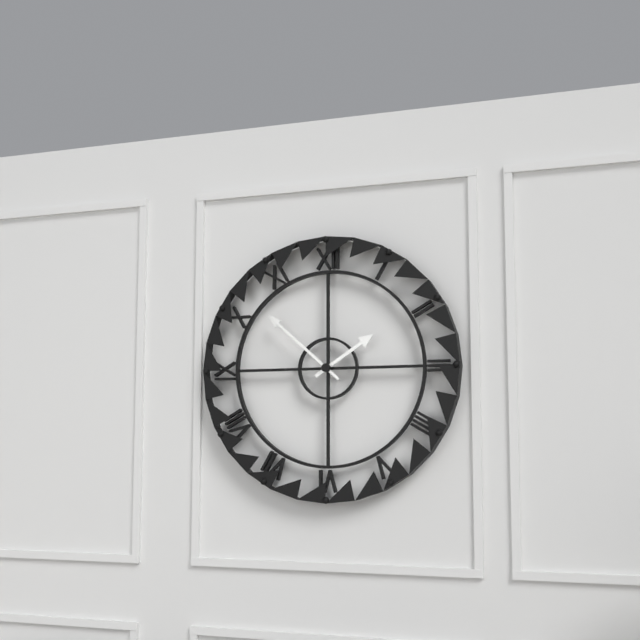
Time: {"hour": 1, "minute": 52}
